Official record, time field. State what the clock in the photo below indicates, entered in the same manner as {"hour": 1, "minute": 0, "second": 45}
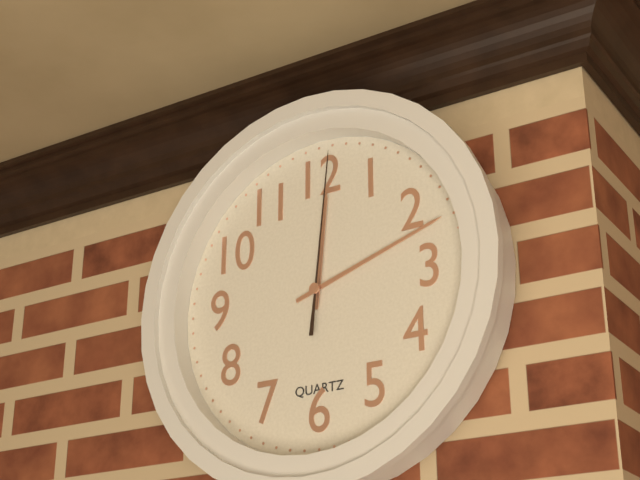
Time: {"hour": 12, "minute": 12, "second": 1}
